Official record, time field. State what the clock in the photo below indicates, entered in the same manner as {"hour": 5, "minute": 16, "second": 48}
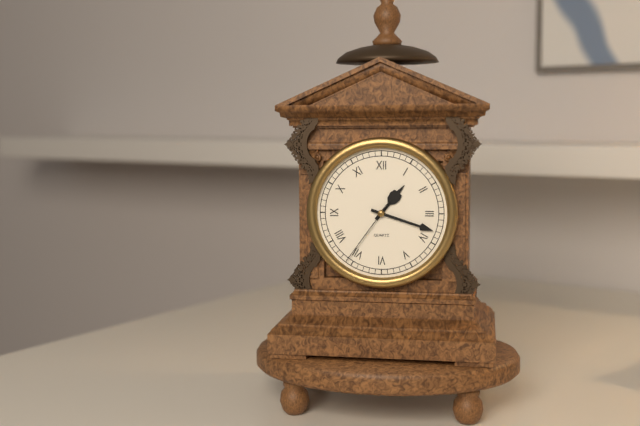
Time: {"hour": 1, "minute": 18, "second": 36}
